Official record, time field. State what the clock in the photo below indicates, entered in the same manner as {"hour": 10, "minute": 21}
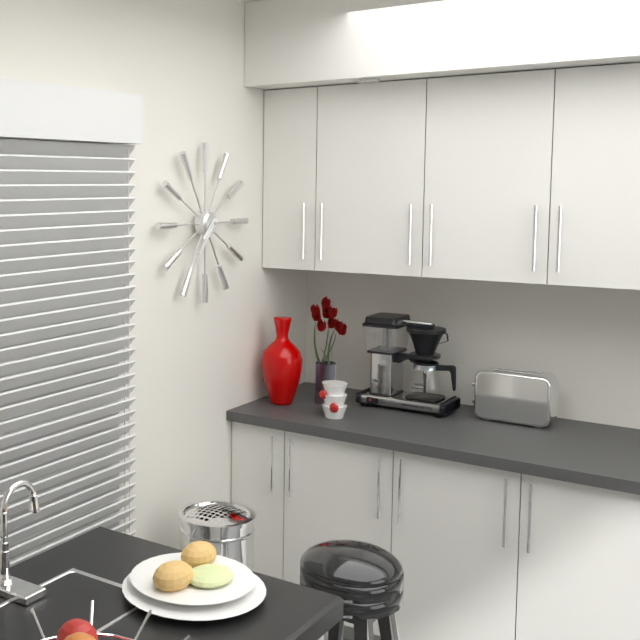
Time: {"hour": 7, "minute": 37}
